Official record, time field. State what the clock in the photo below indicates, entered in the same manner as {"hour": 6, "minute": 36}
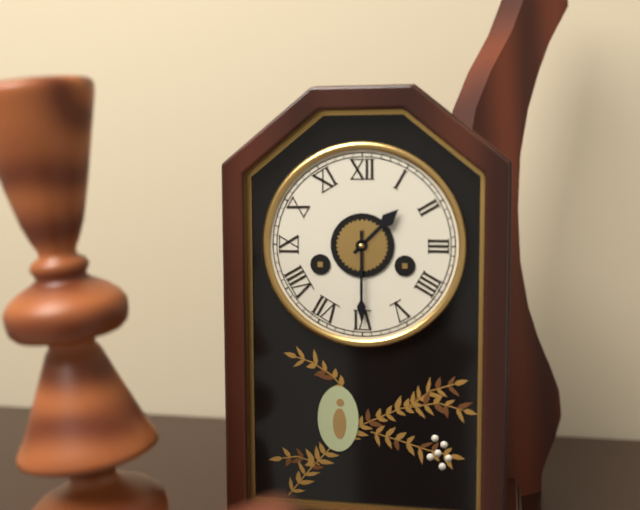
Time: {"hour": 1, "minute": 30}
